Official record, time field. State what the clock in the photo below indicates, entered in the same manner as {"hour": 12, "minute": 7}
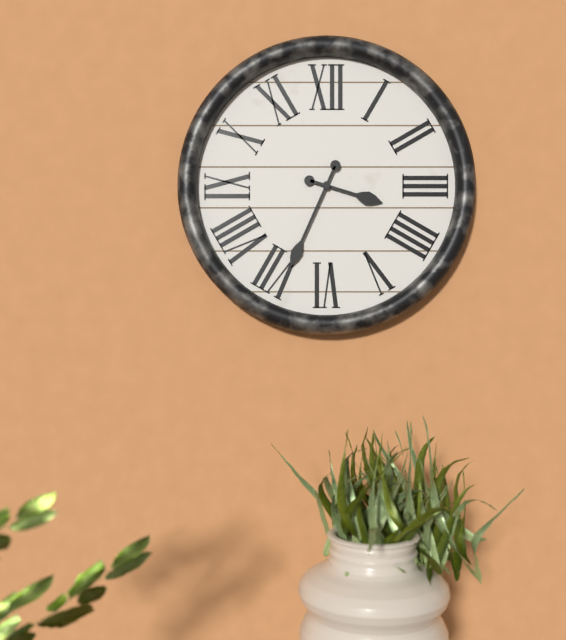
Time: {"hour": 3, "minute": 34}
